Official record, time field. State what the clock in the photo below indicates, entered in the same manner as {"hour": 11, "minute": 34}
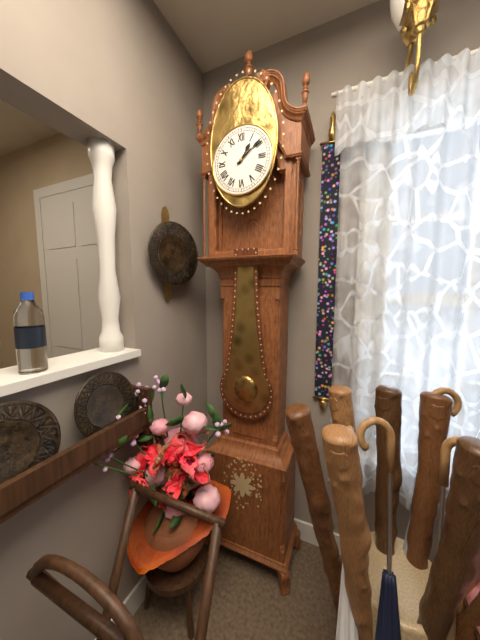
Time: {"hour": 1, "minute": 9}
